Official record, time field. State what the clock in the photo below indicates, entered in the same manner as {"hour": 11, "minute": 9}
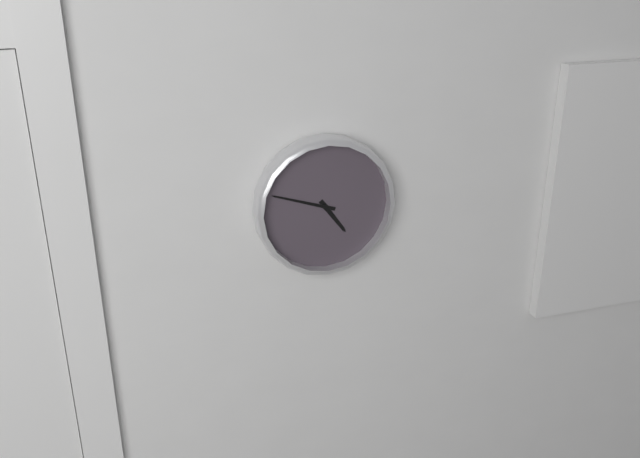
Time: {"hour": 4, "minute": 48}
